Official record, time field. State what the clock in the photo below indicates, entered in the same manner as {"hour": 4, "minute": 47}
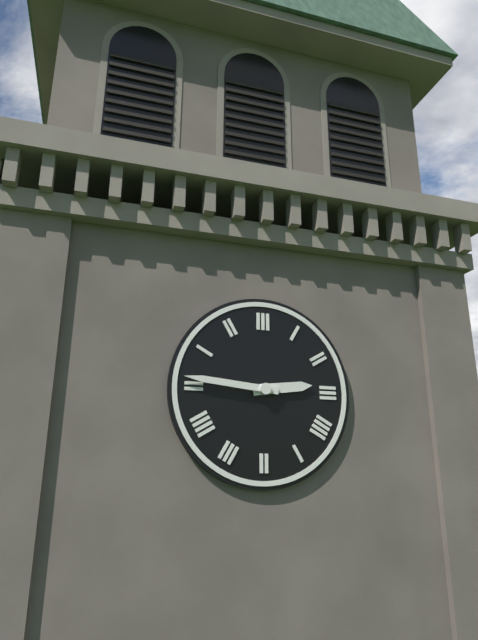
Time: {"hour": 2, "minute": 46}
